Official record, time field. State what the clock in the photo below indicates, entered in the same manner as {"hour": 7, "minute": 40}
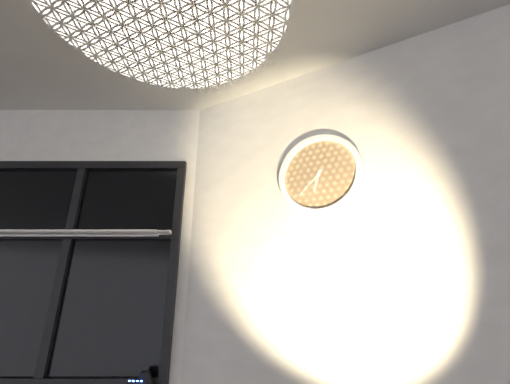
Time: {"hour": 6, "minute": 38}
